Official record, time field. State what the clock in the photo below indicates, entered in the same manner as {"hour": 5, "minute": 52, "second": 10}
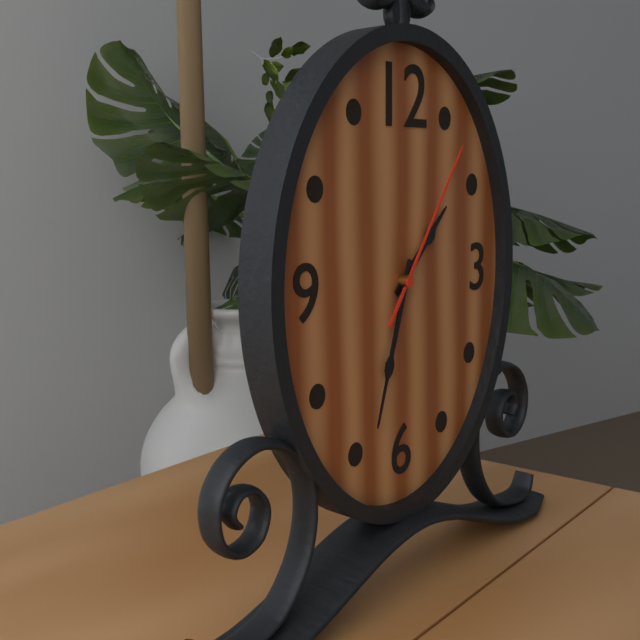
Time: {"hour": 1, "minute": 33, "second": 6}
